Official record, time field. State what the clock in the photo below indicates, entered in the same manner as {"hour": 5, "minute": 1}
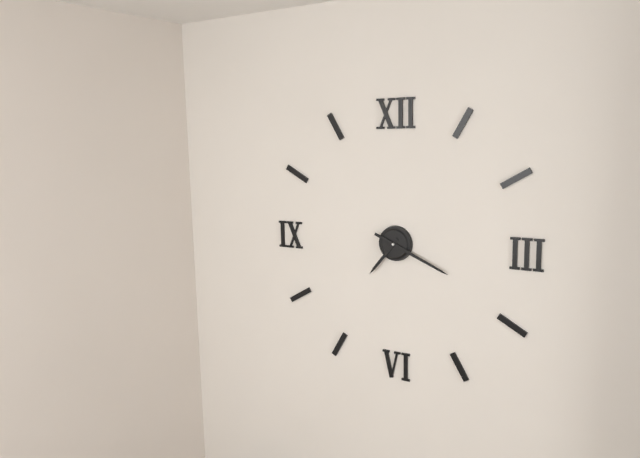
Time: {"hour": 7, "minute": 19}
